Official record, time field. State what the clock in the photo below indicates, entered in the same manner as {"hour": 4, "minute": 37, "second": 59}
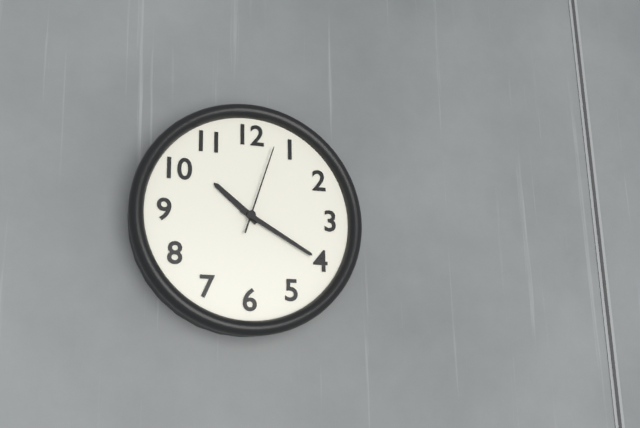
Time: {"hour": 10, "minute": 20, "second": 3}
